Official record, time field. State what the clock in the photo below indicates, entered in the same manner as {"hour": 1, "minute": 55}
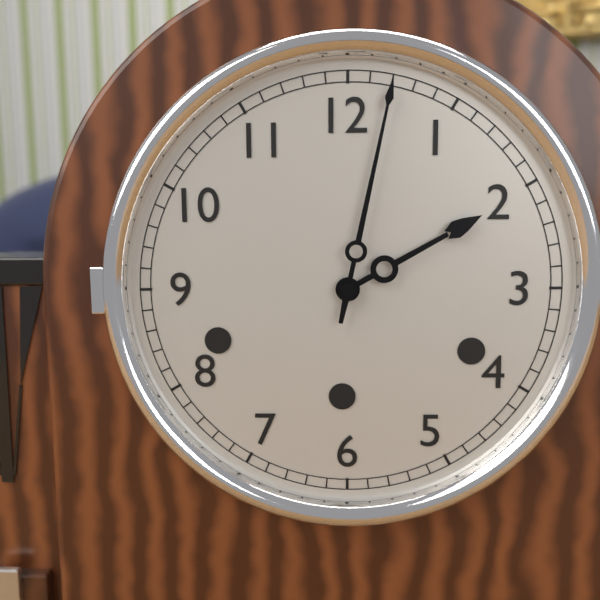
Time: {"hour": 2, "minute": 2}
